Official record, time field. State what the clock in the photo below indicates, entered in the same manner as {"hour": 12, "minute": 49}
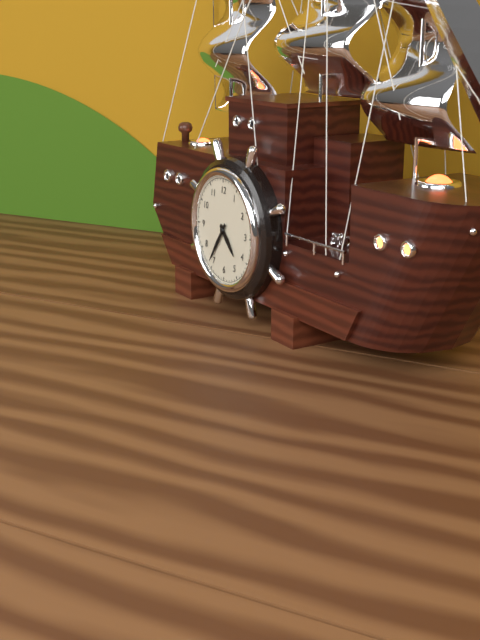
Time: {"hour": 4, "minute": 36}
